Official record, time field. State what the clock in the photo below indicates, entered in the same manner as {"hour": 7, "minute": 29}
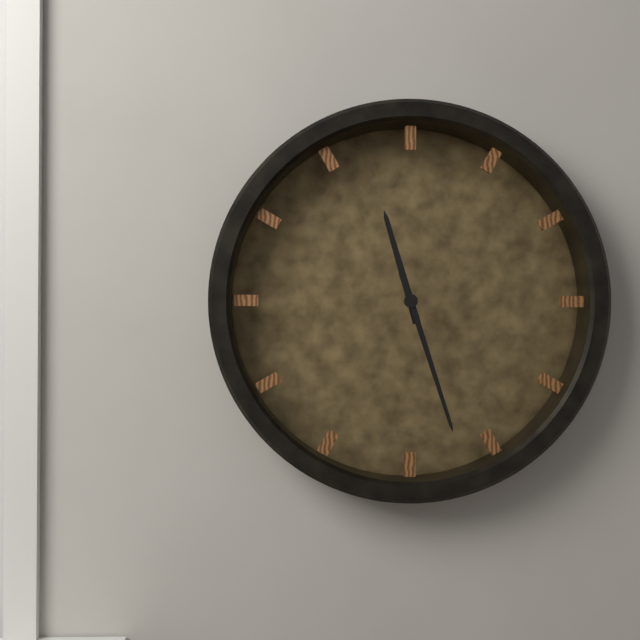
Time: {"hour": 11, "minute": 27}
